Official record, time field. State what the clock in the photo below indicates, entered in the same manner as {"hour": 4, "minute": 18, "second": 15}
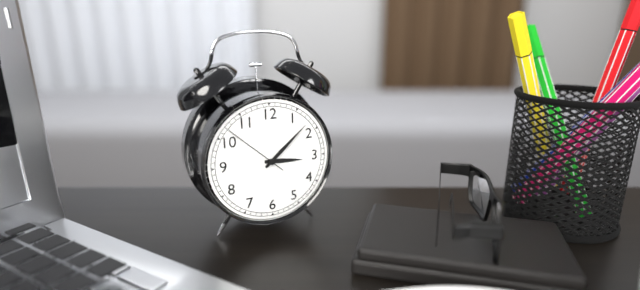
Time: {"hour": 3, "minute": 8, "second": 52}
